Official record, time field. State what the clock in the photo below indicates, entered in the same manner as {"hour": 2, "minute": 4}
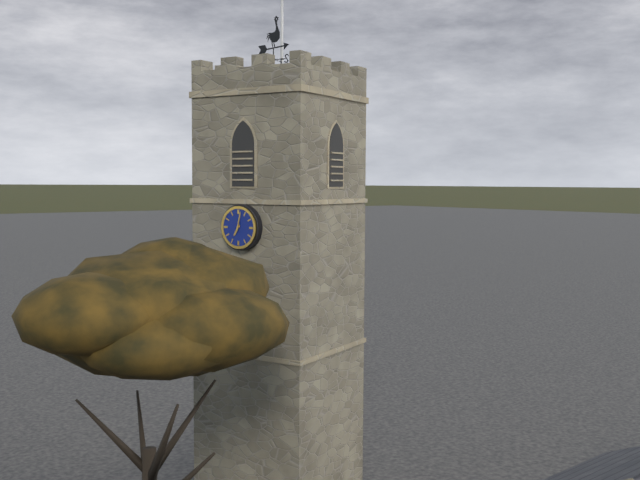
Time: {"hour": 7, "minute": 2}
